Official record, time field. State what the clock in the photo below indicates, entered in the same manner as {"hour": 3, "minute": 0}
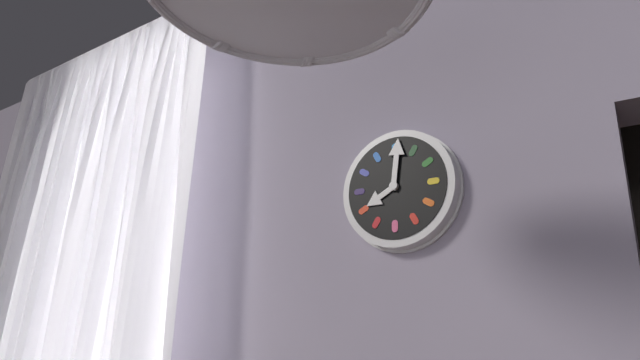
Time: {"hour": 8, "minute": 1}
